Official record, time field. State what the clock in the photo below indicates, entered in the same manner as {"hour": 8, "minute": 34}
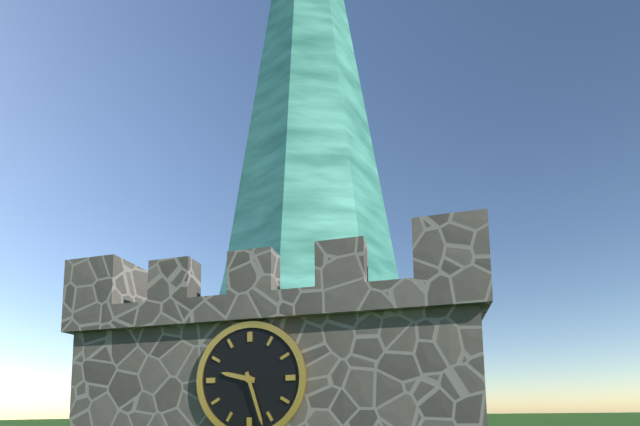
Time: {"hour": 9, "minute": 27}
